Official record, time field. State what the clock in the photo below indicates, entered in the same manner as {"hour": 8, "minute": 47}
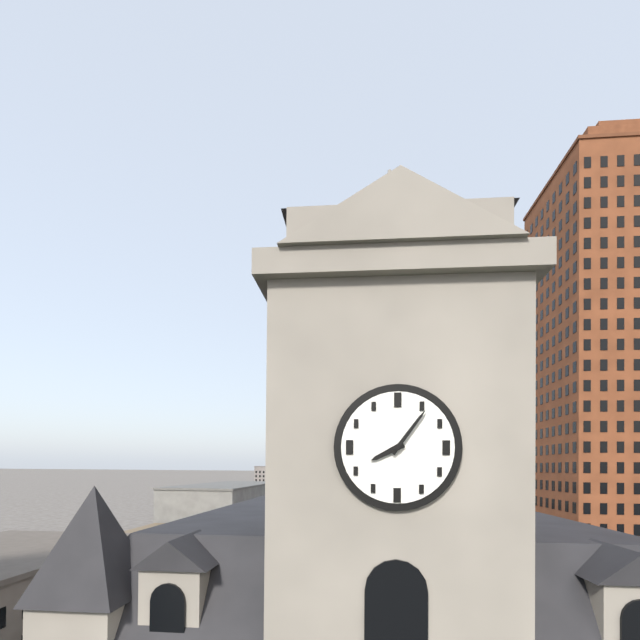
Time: {"hour": 8, "minute": 6}
